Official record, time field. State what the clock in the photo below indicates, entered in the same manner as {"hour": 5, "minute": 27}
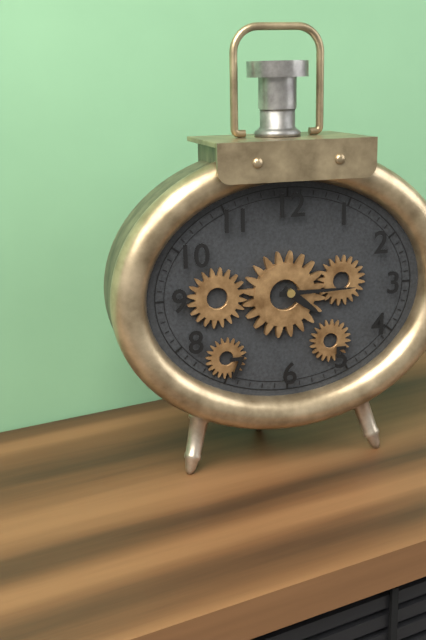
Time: {"hour": 4, "minute": 15}
